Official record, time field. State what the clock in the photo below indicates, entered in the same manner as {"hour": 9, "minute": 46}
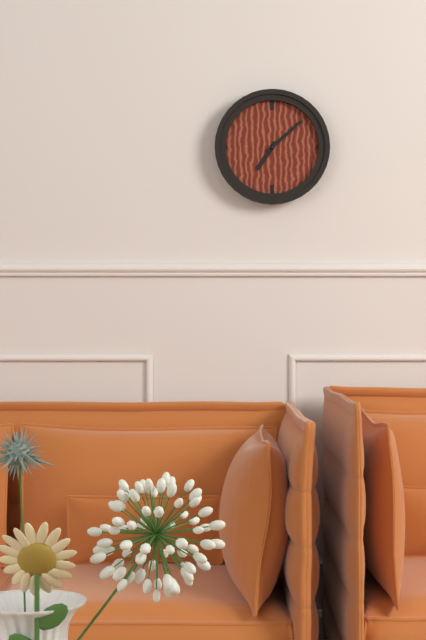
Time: {"hour": 7, "minute": 8}
